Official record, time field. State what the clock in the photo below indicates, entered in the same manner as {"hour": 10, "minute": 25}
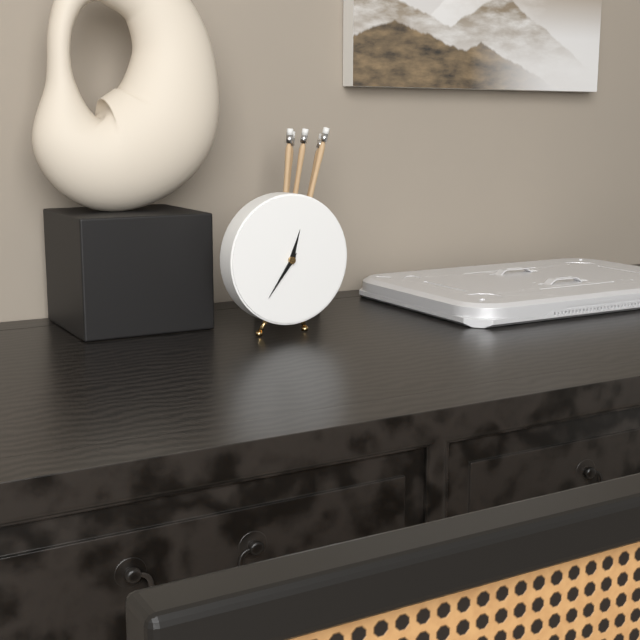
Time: {"hour": 12, "minute": 36}
